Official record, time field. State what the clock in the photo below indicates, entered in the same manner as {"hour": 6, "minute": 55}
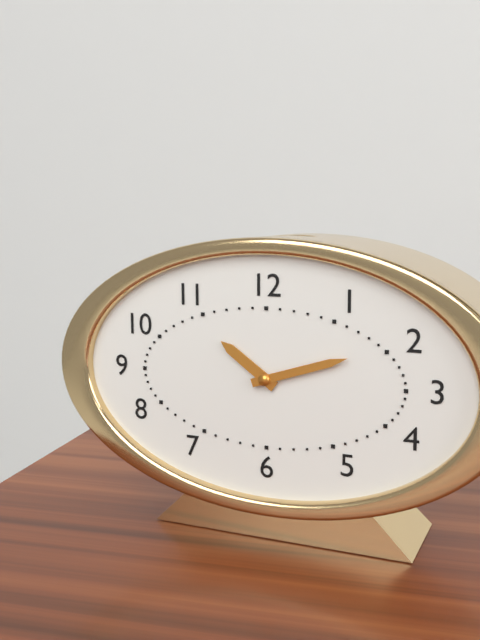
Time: {"hour": 10, "minute": 12}
